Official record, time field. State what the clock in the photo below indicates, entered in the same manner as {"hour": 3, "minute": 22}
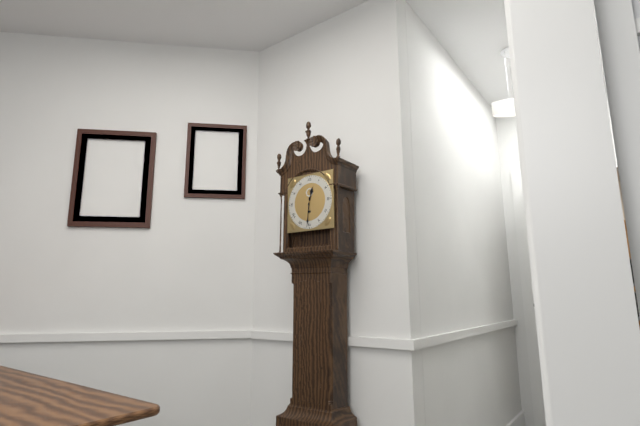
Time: {"hour": 12, "minute": 31}
